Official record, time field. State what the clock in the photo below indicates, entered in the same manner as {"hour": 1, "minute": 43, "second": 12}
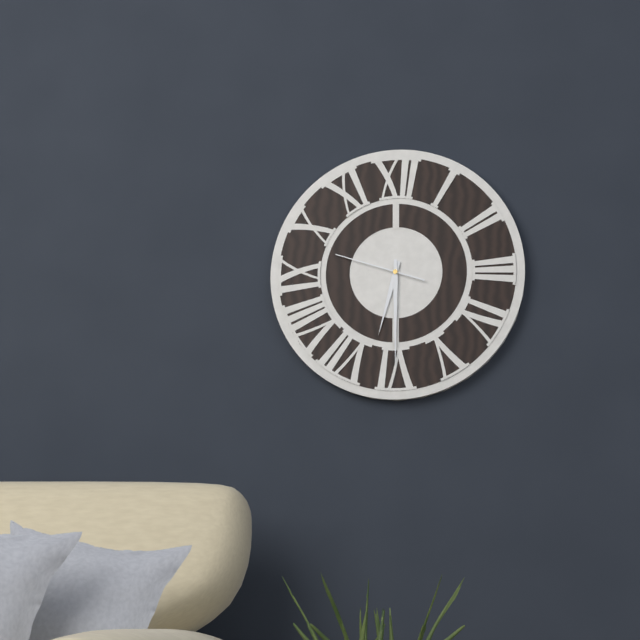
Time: {"hour": 6, "minute": 30, "second": 48}
